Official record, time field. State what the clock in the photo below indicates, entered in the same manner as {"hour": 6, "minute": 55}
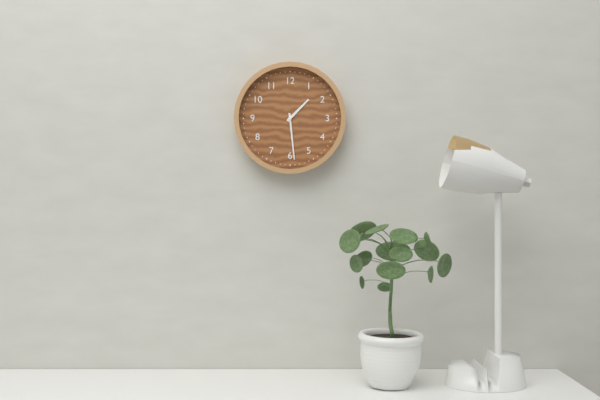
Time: {"hour": 1, "minute": 29}
